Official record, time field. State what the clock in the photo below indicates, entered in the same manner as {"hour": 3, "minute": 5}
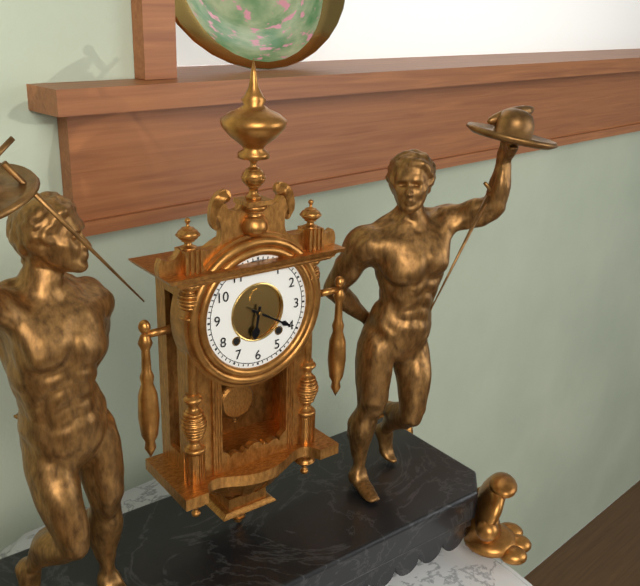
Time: {"hour": 6, "minute": 20}
